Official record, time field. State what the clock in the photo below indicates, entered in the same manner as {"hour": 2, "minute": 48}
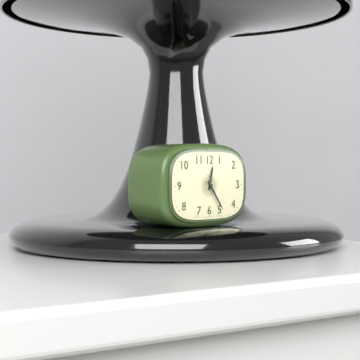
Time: {"hour": 12, "minute": 24}
